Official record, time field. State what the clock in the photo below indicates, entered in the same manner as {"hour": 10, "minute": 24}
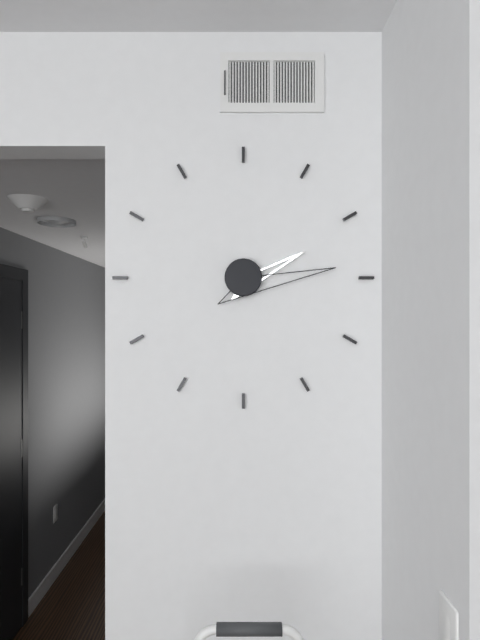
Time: {"hour": 2, "minute": 14}
